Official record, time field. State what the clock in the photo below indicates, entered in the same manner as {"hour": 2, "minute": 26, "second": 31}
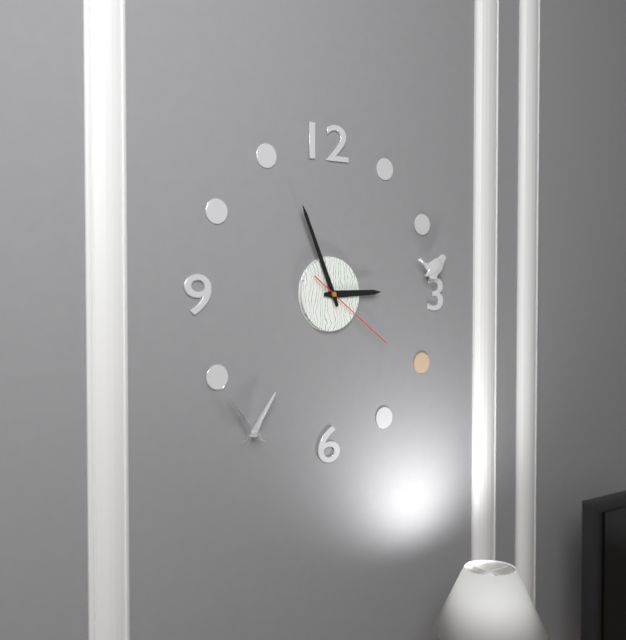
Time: {"hour": 2, "minute": 56, "second": 21}
